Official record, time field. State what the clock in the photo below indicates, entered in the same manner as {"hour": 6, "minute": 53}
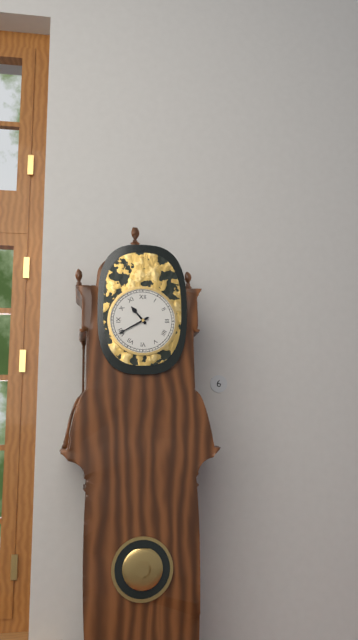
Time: {"hour": 10, "minute": 40}
